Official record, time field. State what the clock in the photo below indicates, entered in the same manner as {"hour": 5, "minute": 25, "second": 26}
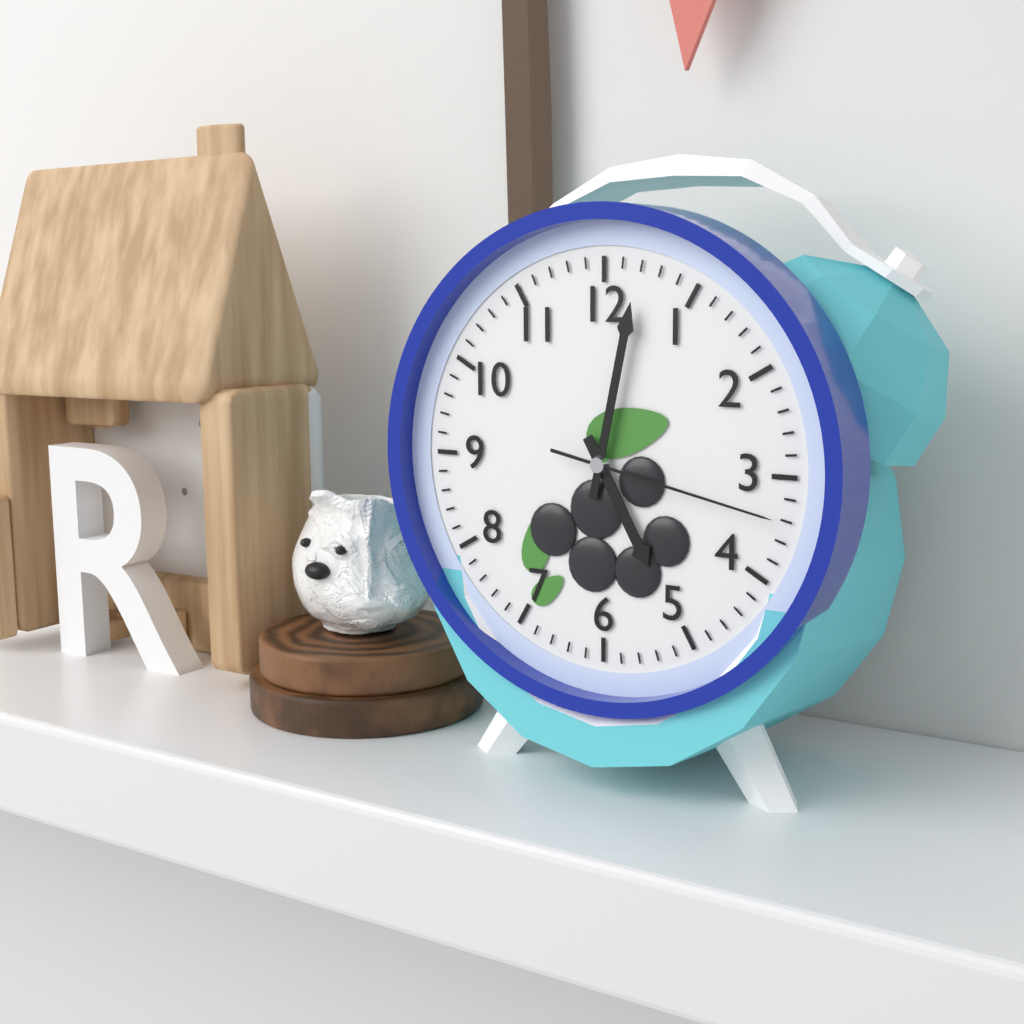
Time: {"hour": 5, "minute": 2, "second": 17}
